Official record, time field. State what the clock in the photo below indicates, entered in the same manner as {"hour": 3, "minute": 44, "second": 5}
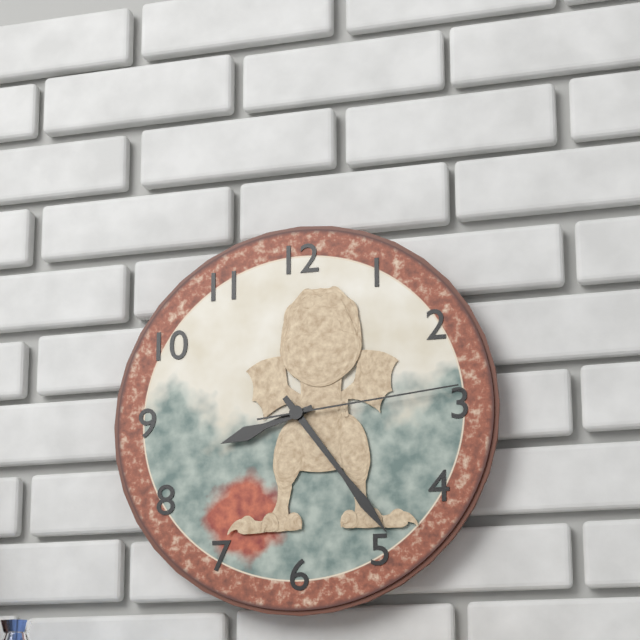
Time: {"hour": 8, "minute": 24, "second": 14}
